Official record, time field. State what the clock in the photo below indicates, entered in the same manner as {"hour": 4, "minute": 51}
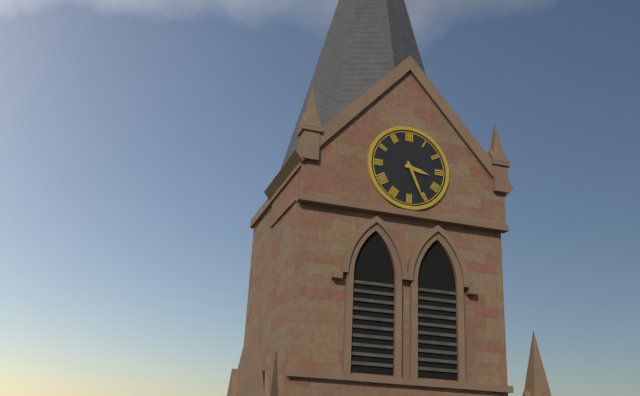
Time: {"hour": 3, "minute": 26}
